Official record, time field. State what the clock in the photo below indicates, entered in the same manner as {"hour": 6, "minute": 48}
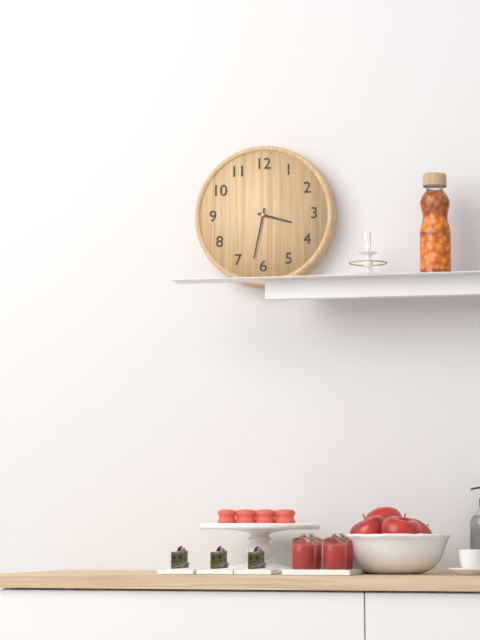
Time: {"hour": 3, "minute": 32}
